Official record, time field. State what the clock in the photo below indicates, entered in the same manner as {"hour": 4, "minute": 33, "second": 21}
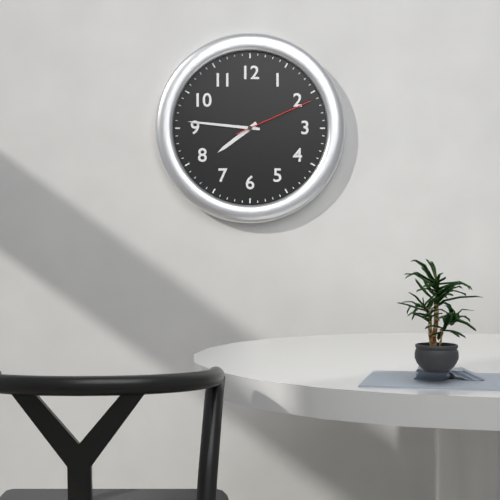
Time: {"hour": 7, "minute": 46, "second": 11}
